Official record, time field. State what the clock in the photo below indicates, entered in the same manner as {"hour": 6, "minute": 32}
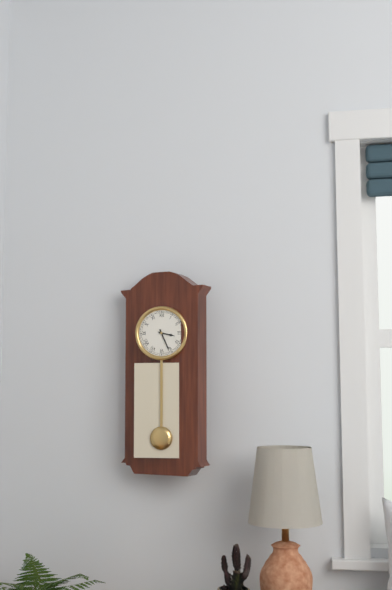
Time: {"hour": 3, "minute": 26}
